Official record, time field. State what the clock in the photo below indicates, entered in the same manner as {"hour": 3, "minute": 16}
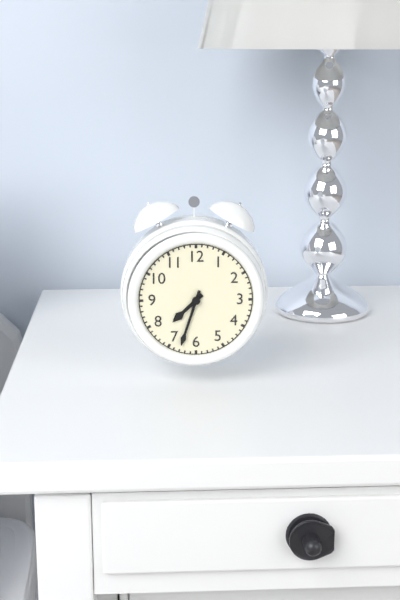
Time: {"hour": 7, "minute": 33}
